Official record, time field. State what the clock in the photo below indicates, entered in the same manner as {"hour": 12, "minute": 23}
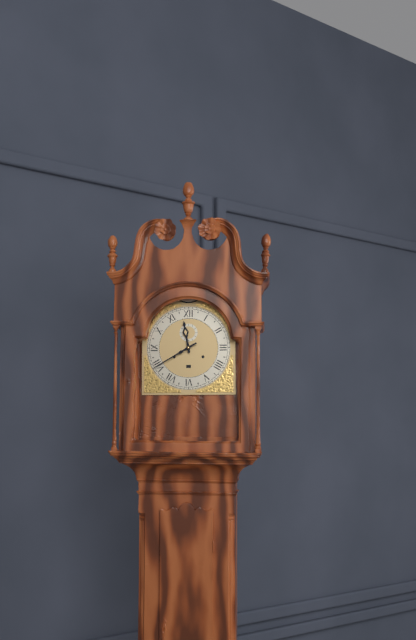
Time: {"hour": 11, "minute": 40}
